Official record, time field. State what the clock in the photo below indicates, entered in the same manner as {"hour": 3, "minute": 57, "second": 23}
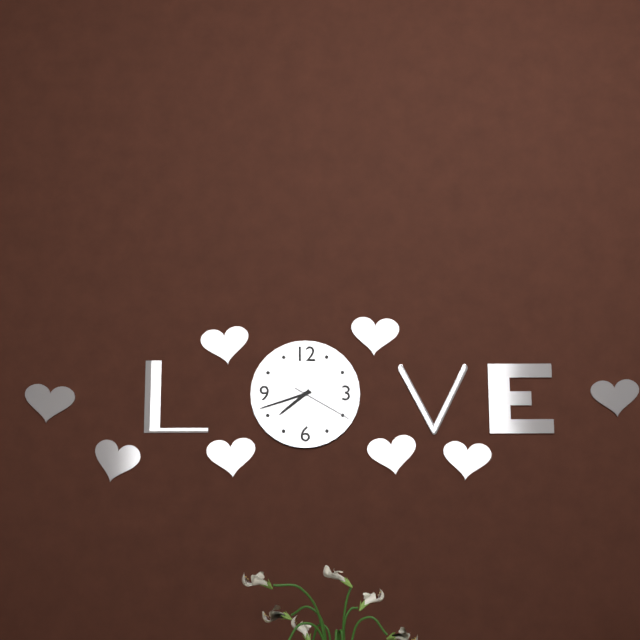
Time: {"hour": 7, "minute": 42, "second": 20}
